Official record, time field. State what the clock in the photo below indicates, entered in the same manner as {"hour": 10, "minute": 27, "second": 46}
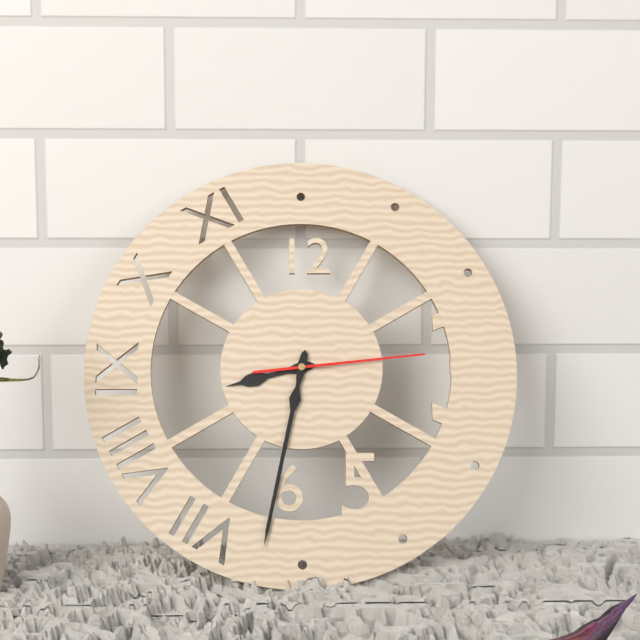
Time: {"hour": 8, "minute": 32, "second": 14}
